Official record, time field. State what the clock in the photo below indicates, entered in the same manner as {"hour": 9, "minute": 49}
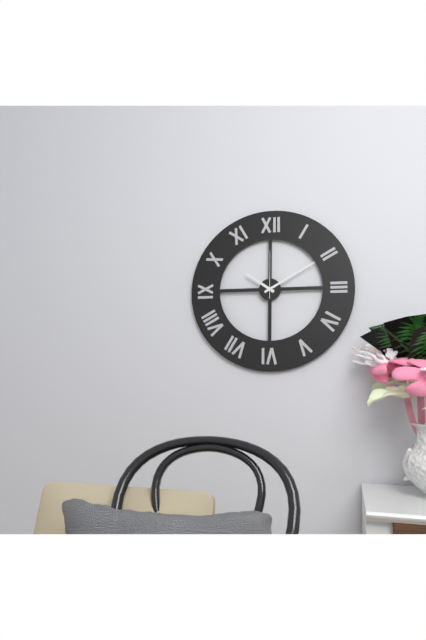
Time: {"hour": 10, "minute": 10}
